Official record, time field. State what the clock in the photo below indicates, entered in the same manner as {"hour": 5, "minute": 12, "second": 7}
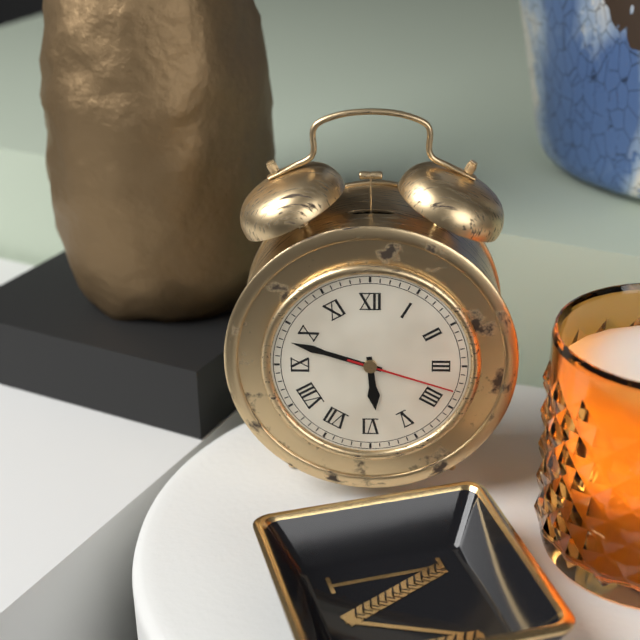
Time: {"hour": 5, "minute": 48, "second": 18}
